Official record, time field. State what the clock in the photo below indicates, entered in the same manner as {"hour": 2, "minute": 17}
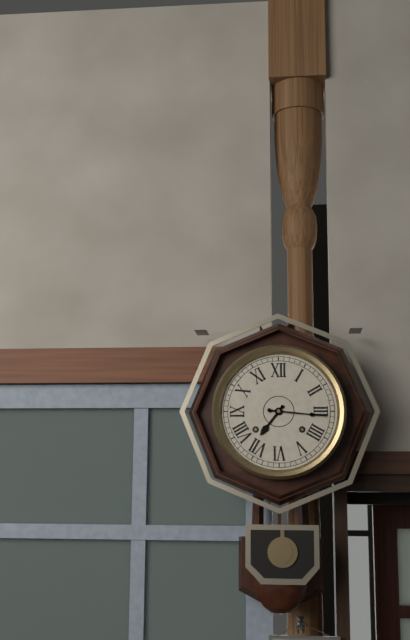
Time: {"hour": 7, "minute": 16}
